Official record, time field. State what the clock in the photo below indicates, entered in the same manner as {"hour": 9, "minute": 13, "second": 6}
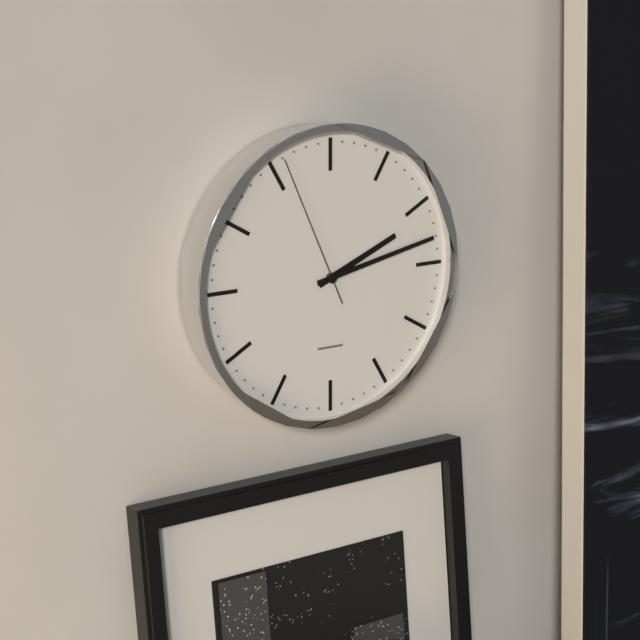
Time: {"hour": 2, "minute": 13, "second": 56}
